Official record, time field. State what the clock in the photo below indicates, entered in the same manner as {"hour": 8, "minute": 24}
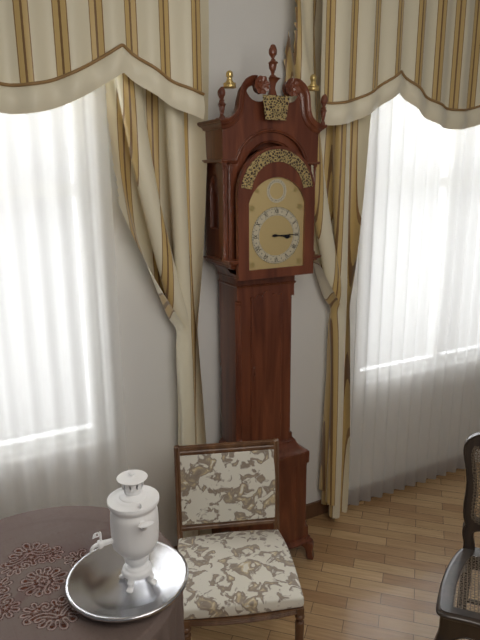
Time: {"hour": 3, "minute": 15}
